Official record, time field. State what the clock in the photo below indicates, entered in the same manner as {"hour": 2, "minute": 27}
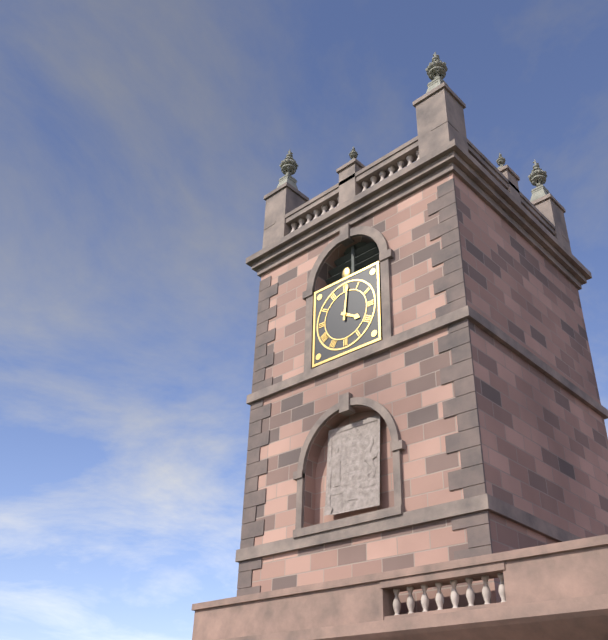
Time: {"hour": 4, "minute": 1}
